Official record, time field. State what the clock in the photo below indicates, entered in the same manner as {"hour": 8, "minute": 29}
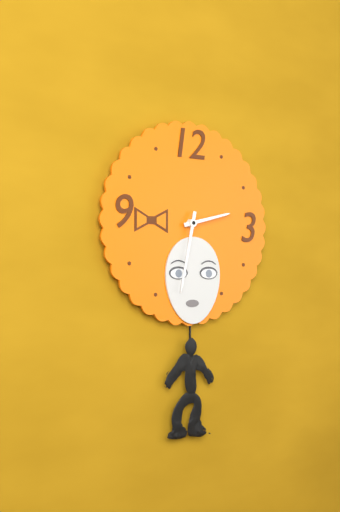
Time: {"hour": 2, "minute": 32}
